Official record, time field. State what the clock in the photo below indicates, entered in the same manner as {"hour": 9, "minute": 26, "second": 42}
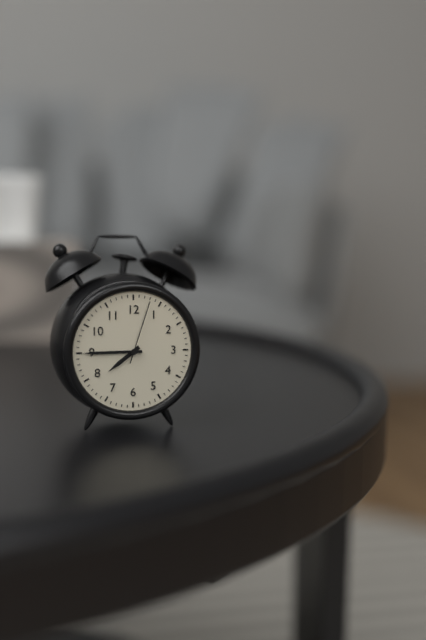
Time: {"hour": 7, "minute": 45, "second": 3}
